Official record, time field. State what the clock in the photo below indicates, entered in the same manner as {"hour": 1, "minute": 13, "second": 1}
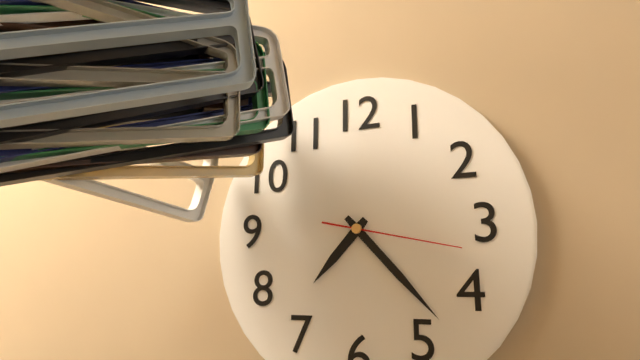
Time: {"hour": 7, "minute": 23, "second": 17}
